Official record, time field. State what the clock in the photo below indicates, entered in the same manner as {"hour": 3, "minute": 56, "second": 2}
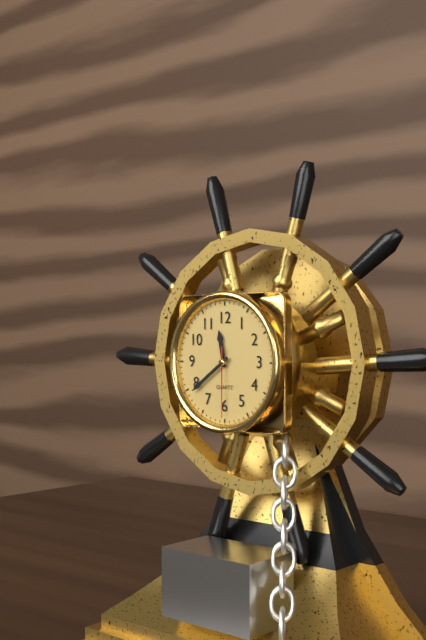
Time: {"hour": 11, "minute": 39, "second": 30}
